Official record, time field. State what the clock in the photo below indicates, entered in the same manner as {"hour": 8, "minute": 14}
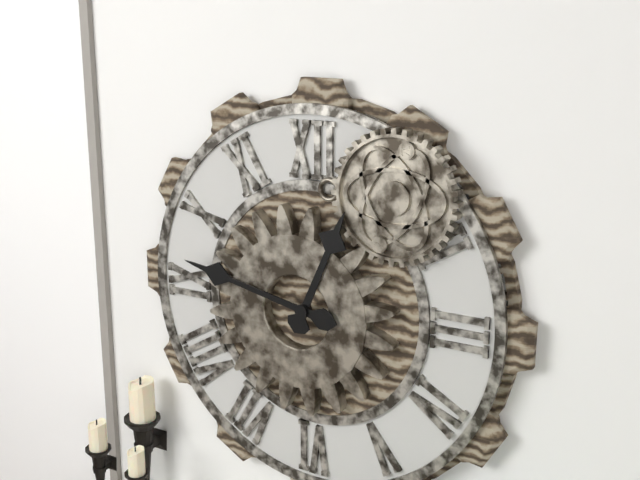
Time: {"hour": 12, "minute": 47}
